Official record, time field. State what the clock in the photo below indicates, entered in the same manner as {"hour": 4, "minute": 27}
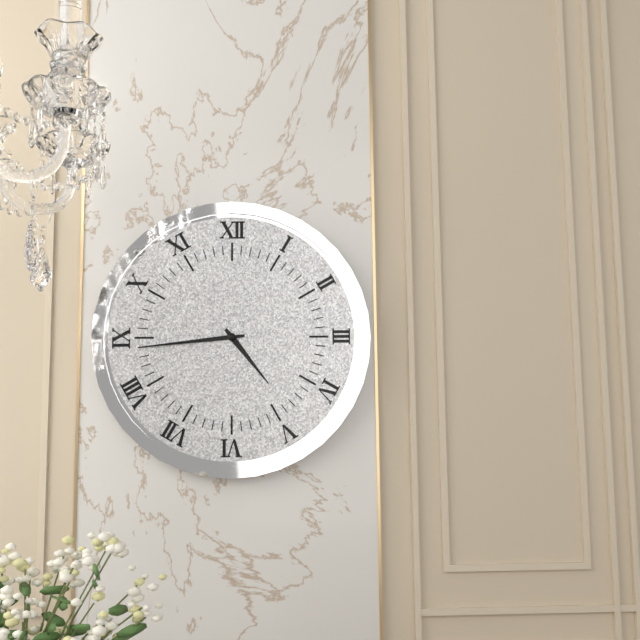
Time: {"hour": 4, "minute": 44}
